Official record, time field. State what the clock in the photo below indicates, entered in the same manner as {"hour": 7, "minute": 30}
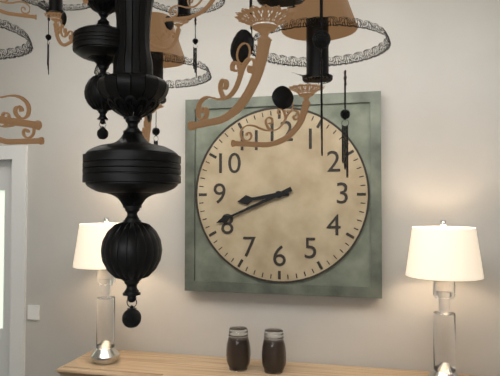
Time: {"hour": 8, "minute": 41}
